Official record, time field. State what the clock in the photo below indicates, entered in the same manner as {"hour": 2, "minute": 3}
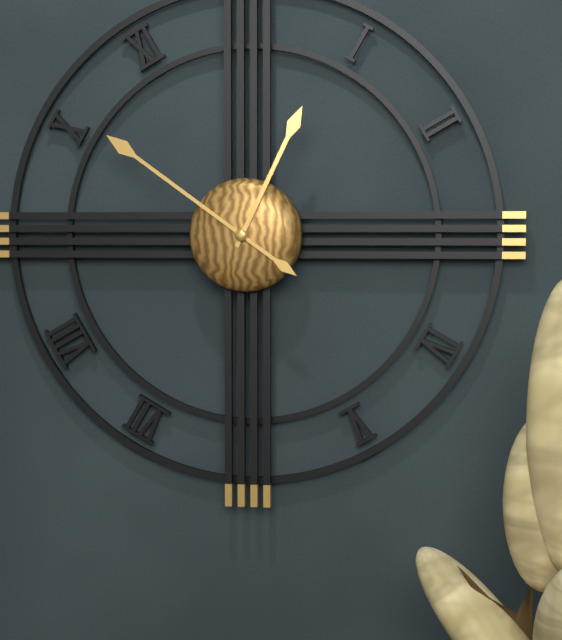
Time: {"hour": 12, "minute": 51}
